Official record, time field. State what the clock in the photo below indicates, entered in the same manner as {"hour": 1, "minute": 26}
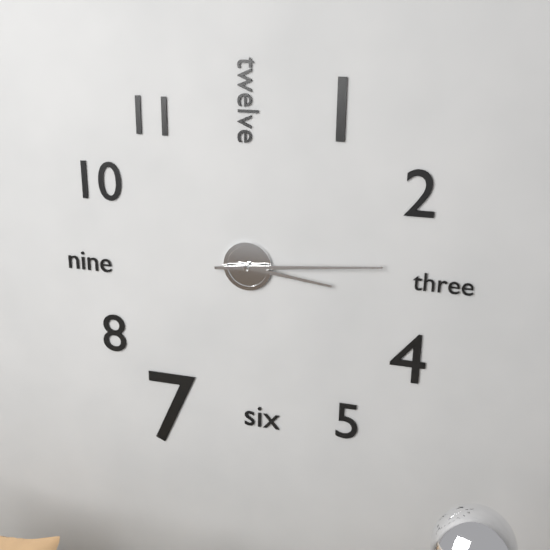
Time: {"hour": 3, "minute": 14}
